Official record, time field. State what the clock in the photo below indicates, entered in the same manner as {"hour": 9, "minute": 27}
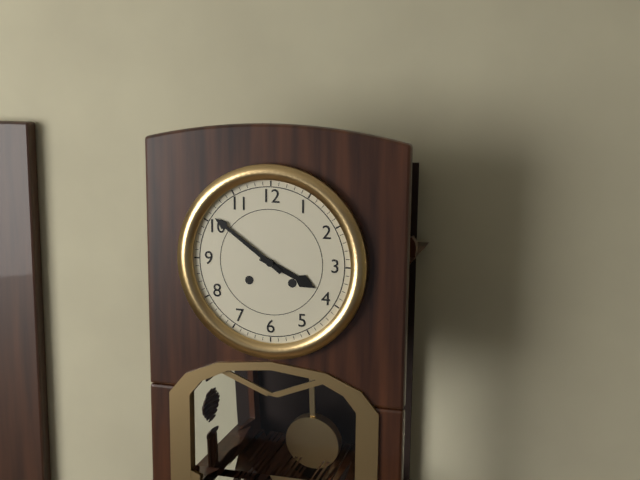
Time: {"hour": 3, "minute": 51}
